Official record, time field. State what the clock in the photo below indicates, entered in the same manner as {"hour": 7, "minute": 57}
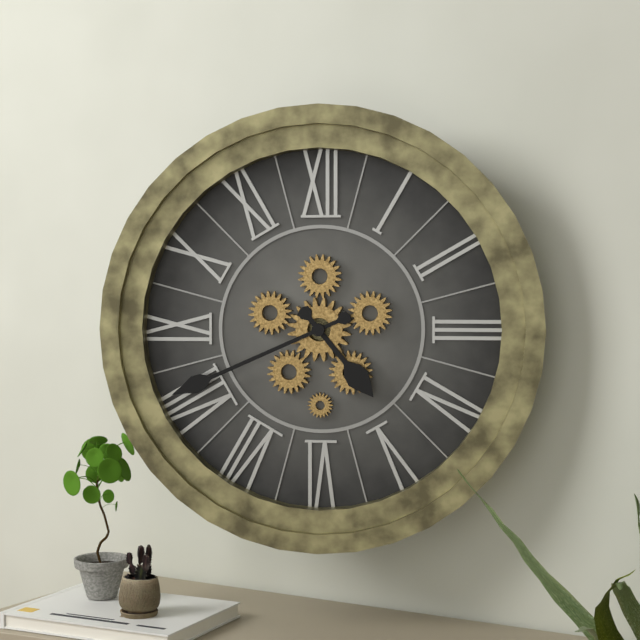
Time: {"hour": 4, "minute": 41}
